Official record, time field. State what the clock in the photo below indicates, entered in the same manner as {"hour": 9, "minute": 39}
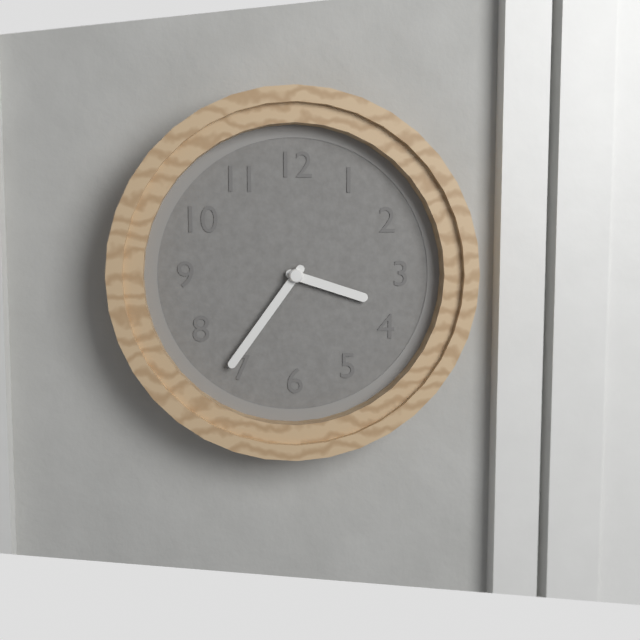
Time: {"hour": 3, "minute": 36}
